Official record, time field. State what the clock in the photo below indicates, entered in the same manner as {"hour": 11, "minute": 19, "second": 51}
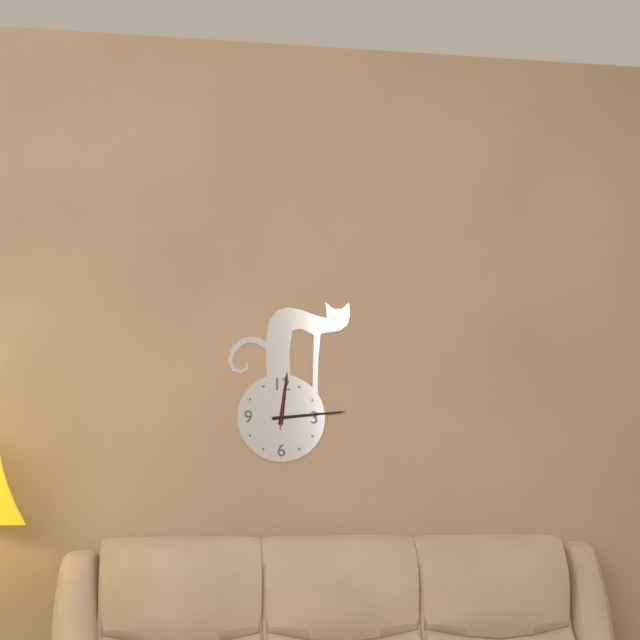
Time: {"hour": 12, "minute": 14, "second": 1}
